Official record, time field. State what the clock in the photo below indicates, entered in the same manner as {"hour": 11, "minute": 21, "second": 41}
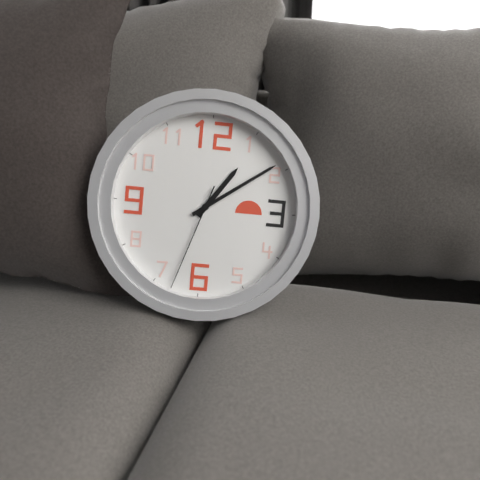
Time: {"hour": 1, "minute": 9, "second": 33}
